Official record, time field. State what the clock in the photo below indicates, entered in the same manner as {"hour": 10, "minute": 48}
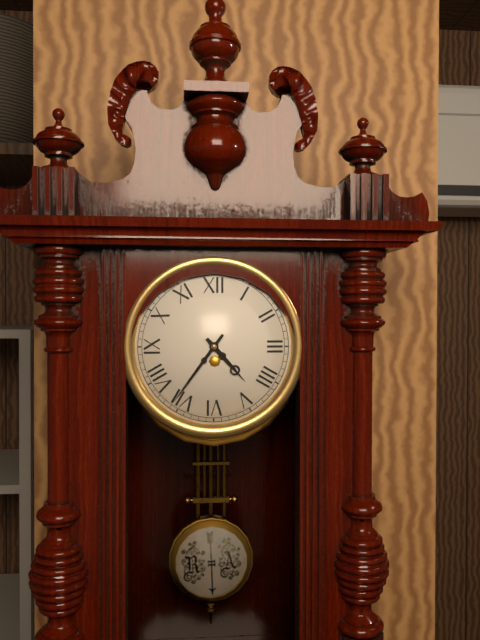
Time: {"hour": 4, "minute": 36}
